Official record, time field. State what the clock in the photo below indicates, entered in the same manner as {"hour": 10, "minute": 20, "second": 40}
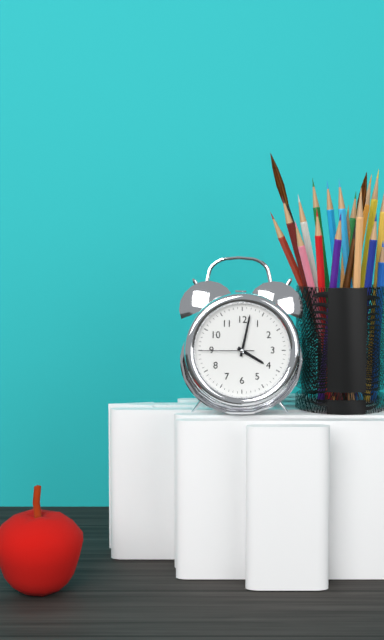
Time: {"hour": 4, "minute": 2, "second": 45}
